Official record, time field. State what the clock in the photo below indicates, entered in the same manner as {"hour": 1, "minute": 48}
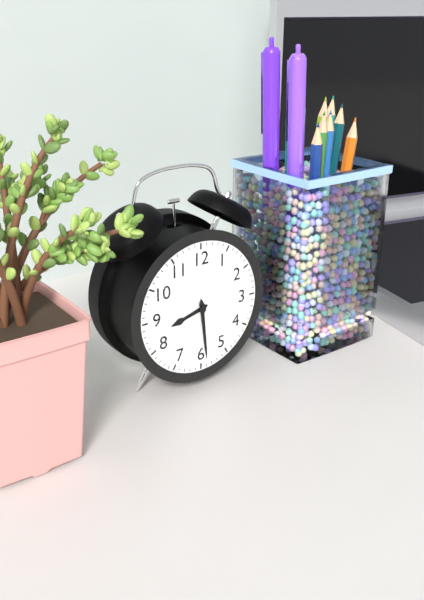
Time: {"hour": 8, "minute": 29}
